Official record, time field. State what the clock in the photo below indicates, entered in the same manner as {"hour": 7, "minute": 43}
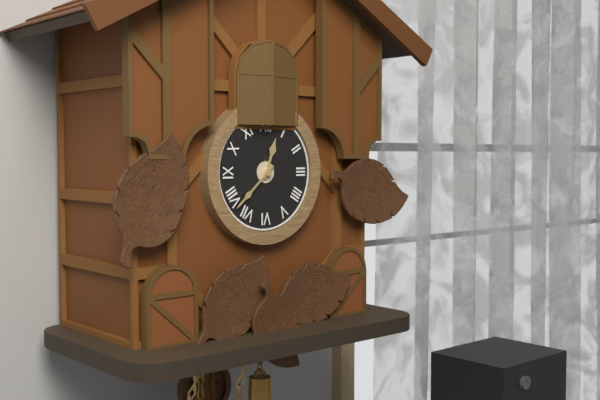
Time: {"hour": 12, "minute": 38}
